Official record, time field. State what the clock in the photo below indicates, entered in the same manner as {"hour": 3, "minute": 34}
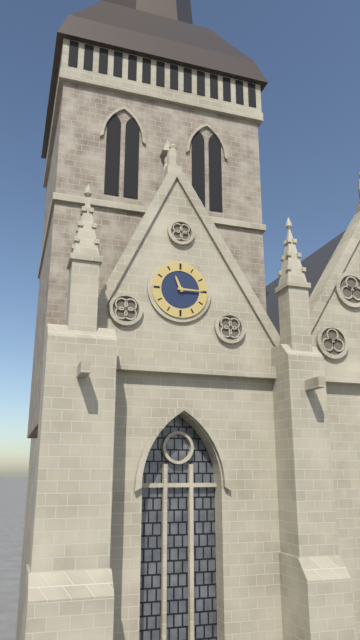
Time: {"hour": 11, "minute": 15}
